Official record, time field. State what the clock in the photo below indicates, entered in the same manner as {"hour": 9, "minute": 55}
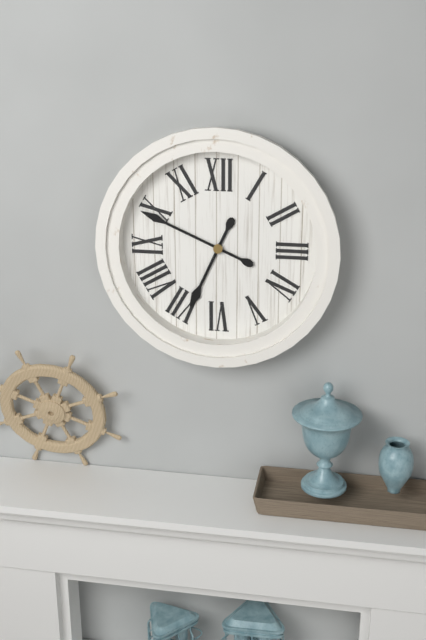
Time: {"hour": 6, "minute": 49}
